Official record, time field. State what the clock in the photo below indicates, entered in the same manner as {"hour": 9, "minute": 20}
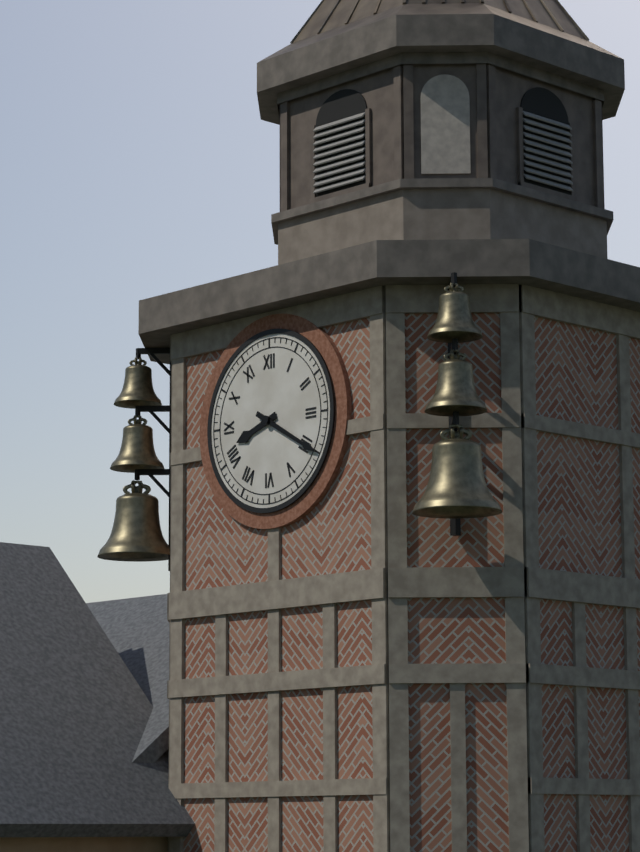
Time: {"hour": 8, "minute": 20}
